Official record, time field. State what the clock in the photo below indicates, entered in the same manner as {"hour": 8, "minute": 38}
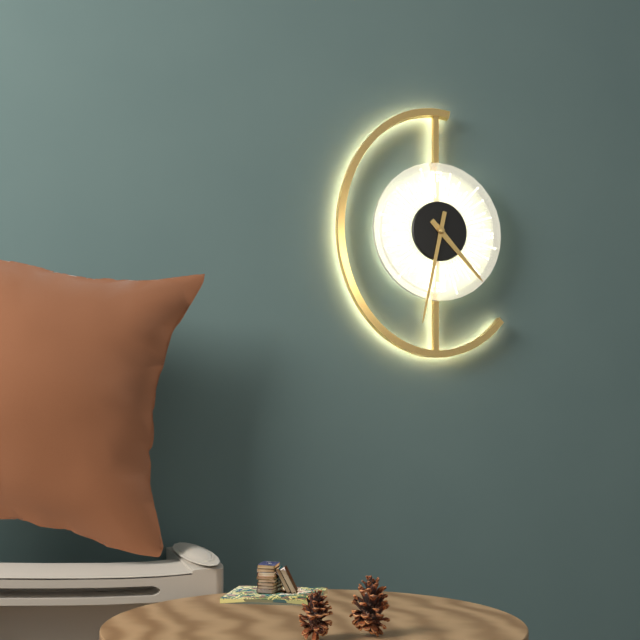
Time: {"hour": 4, "minute": 32}
